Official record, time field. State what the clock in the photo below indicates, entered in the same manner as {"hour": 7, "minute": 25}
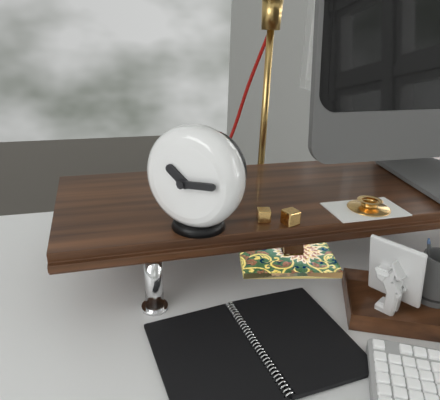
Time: {"hour": 10, "minute": 14}
